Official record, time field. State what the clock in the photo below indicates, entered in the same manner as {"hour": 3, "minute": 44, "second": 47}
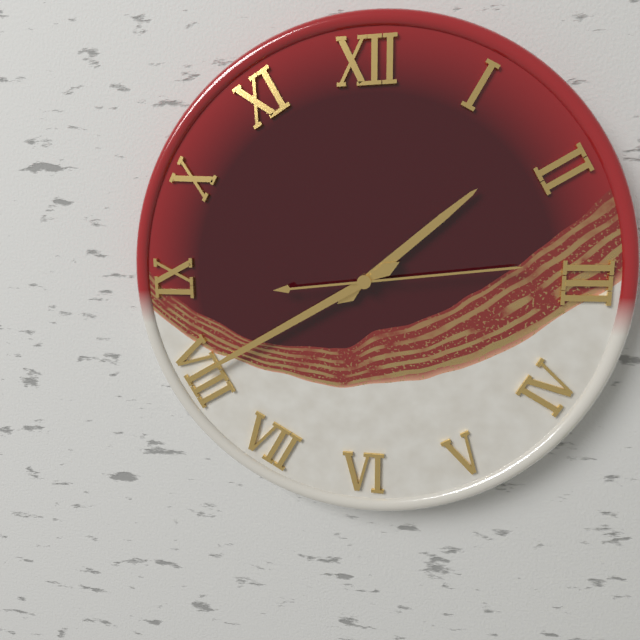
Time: {"hour": 1, "minute": 40, "second": 14}
